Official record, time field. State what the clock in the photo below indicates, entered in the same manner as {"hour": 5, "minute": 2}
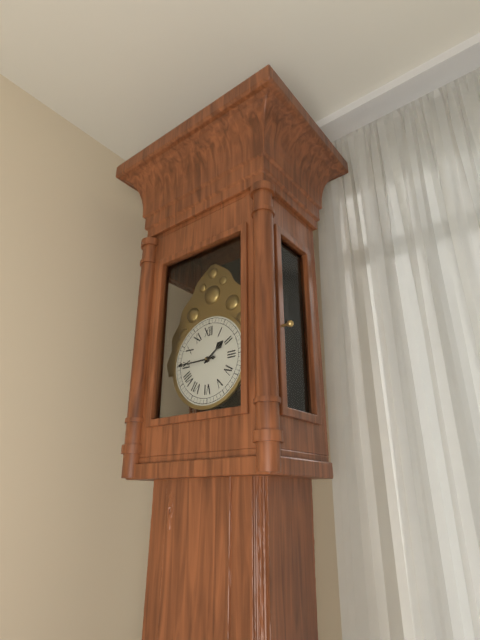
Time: {"hour": 1, "minute": 45}
